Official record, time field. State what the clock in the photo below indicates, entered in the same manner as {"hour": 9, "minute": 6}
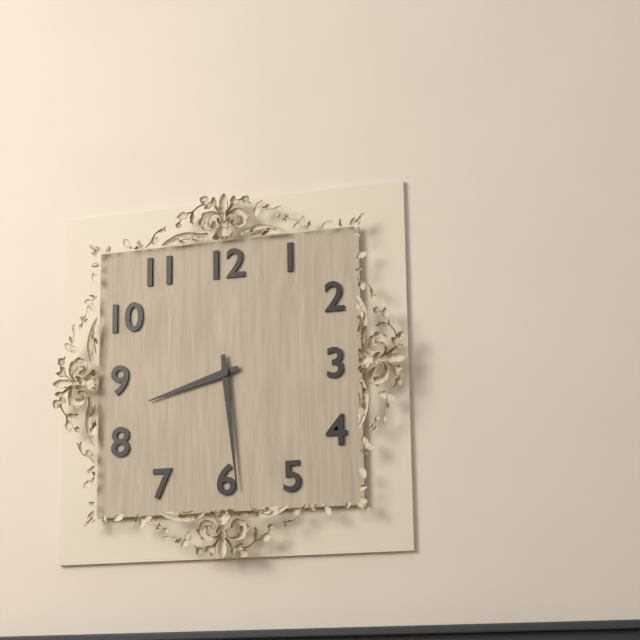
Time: {"hour": 8, "minute": 29}
